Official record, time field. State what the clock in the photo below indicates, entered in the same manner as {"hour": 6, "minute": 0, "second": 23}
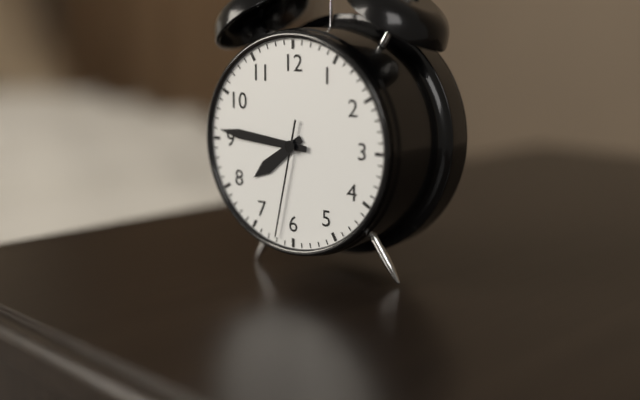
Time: {"hour": 7, "minute": 46, "second": 32}
